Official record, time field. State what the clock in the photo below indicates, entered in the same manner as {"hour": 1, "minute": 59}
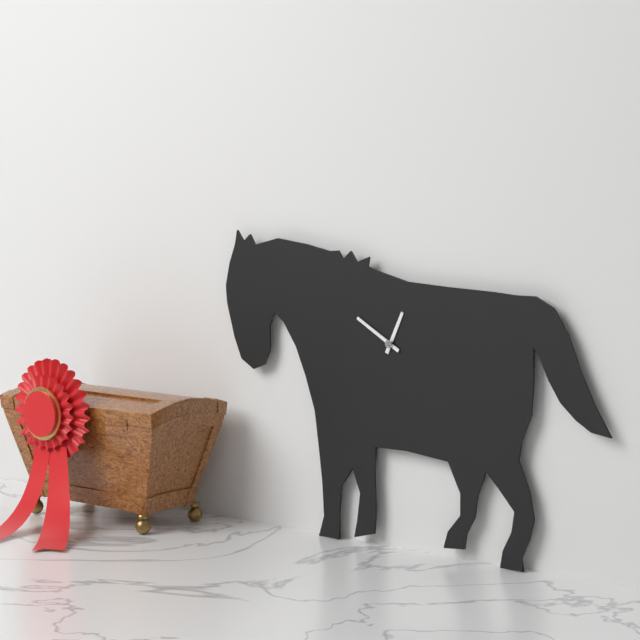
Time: {"hour": 12, "minute": 50}
